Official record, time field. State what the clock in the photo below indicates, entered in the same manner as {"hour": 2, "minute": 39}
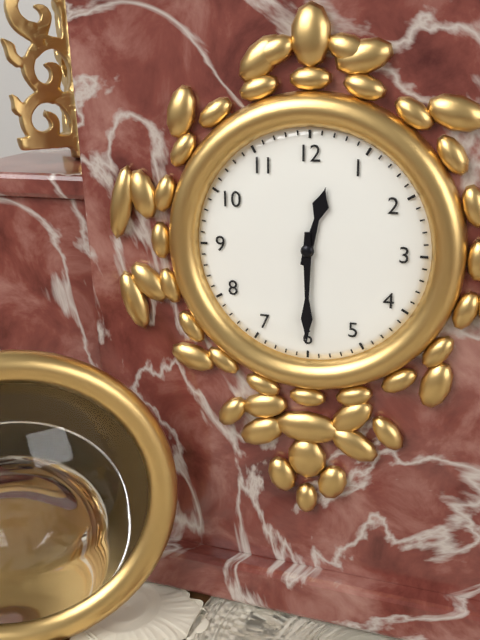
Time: {"hour": 12, "minute": 30}
